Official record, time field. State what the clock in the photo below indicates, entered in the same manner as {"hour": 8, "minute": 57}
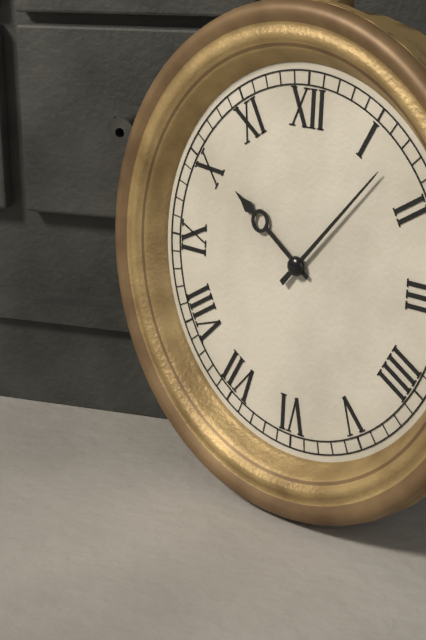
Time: {"hour": 10, "minute": 7}
